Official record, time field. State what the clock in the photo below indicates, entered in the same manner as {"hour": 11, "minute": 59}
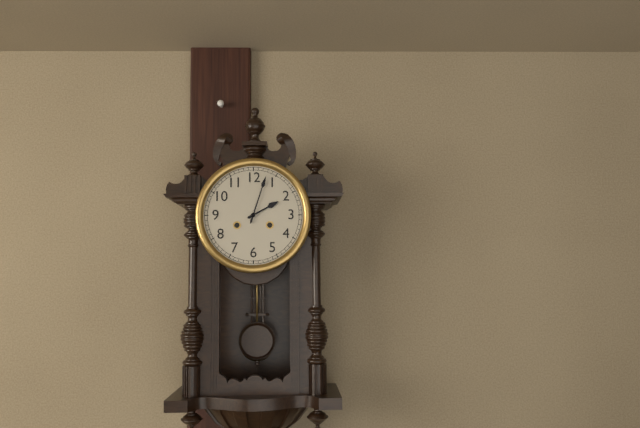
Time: {"hour": 2, "minute": 3}
